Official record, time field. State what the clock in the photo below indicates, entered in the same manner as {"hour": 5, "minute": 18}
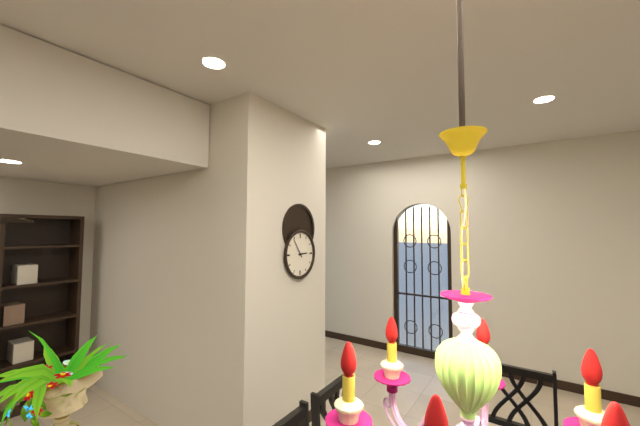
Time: {"hour": 2, "minute": 54}
